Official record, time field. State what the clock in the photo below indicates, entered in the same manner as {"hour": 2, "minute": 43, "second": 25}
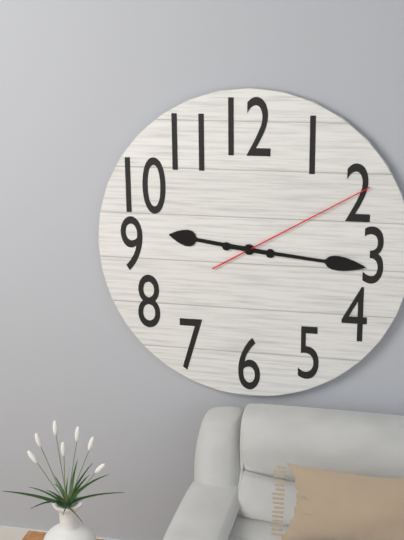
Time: {"hour": 9, "minute": 16, "second": 10}
